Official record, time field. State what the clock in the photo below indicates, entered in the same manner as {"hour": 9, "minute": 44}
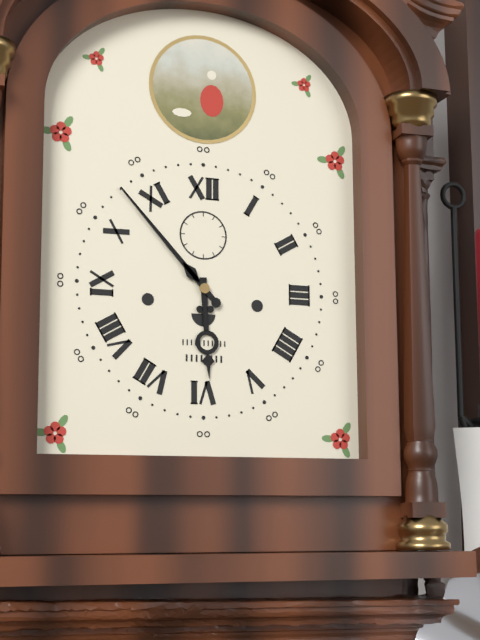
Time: {"hour": 5, "minute": 53}
